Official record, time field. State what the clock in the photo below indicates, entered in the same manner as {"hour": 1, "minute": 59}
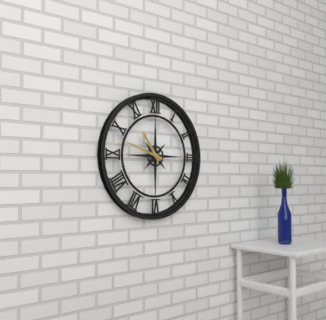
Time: {"hour": 10, "minute": 48}
